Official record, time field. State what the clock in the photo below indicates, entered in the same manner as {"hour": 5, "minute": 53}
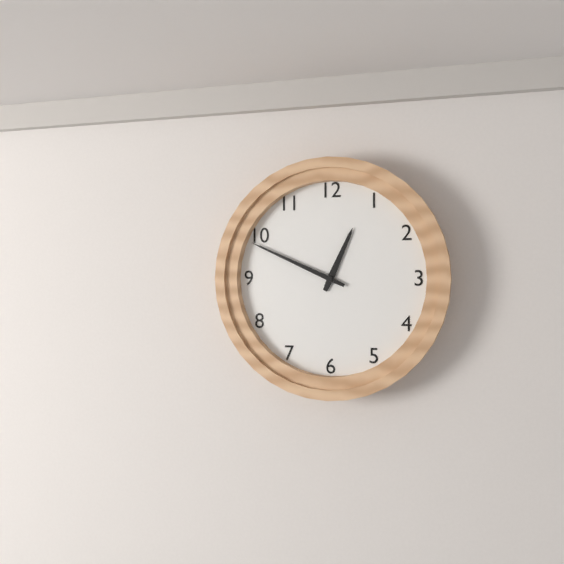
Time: {"hour": 12, "minute": 49}
